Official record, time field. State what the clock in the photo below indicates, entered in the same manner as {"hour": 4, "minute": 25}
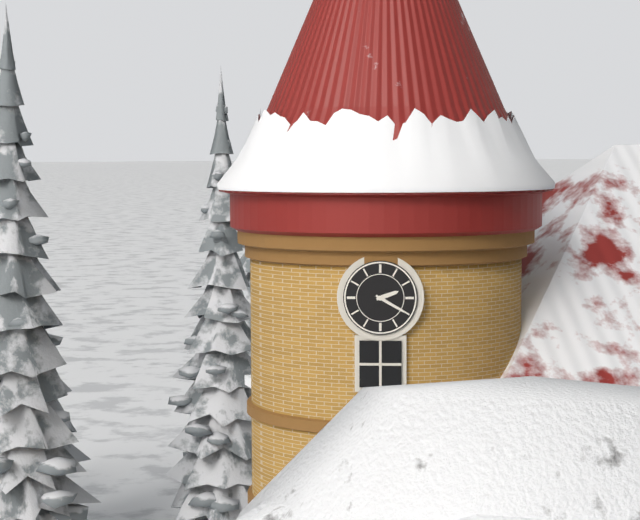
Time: {"hour": 2, "minute": 20}
